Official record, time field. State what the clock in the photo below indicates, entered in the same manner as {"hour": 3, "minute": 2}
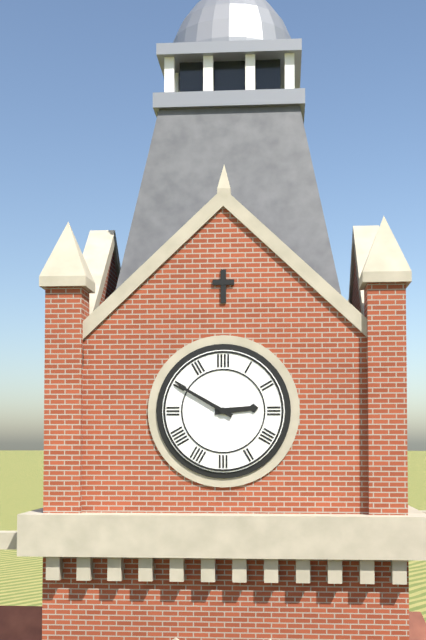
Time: {"hour": 2, "minute": 50}
